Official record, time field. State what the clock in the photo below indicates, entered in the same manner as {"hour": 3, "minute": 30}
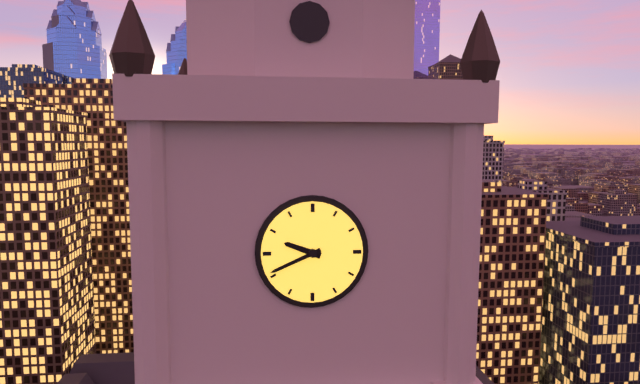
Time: {"hour": 9, "minute": 41}
